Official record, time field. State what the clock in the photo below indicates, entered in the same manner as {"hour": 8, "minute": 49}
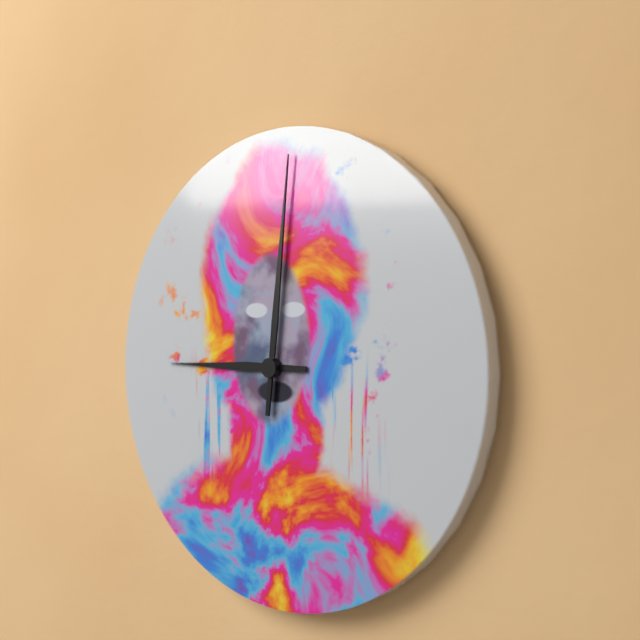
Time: {"hour": 9, "minute": 1}
